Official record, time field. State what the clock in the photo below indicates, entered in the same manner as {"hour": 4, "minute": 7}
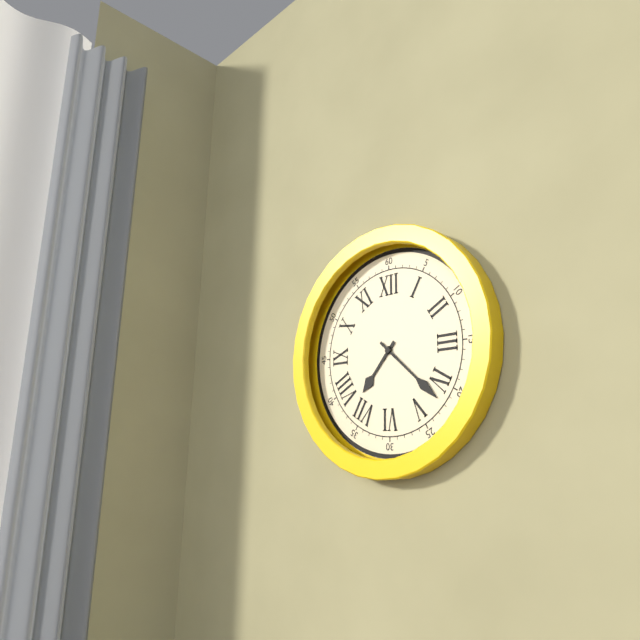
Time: {"hour": 7, "minute": 22}
